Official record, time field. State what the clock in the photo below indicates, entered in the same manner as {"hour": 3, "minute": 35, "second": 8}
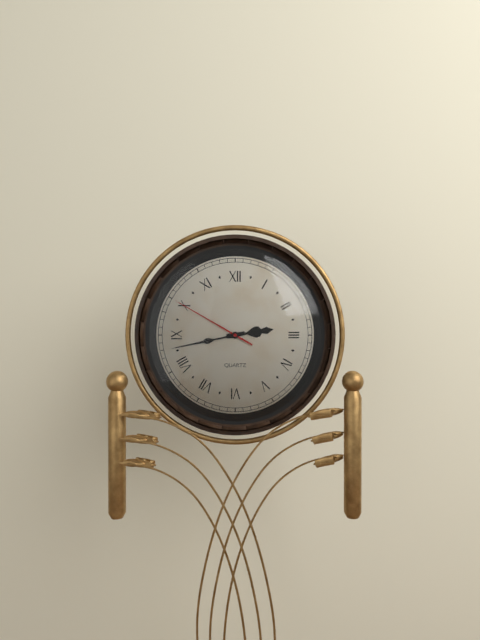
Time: {"hour": 2, "minute": 43, "second": 50}
